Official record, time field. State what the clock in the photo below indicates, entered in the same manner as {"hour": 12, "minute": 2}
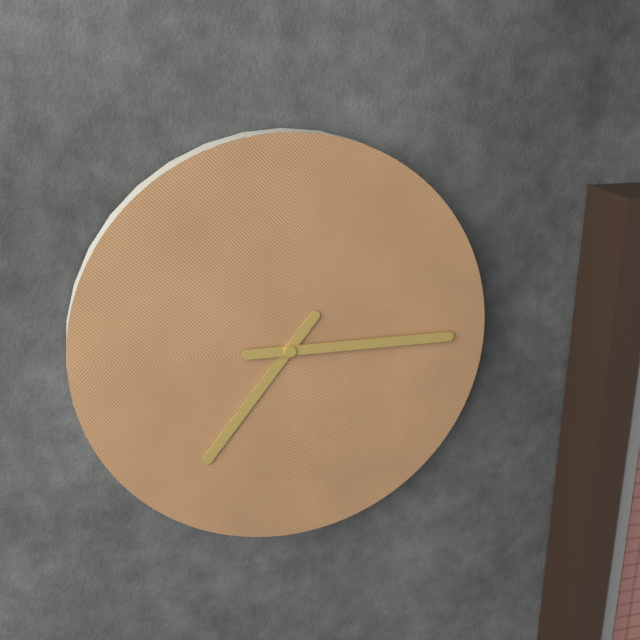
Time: {"hour": 7, "minute": 15}
